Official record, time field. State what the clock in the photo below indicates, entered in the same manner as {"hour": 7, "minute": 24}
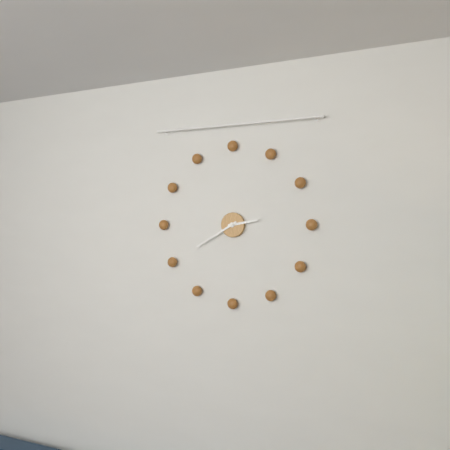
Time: {"hour": 2, "minute": 40}
